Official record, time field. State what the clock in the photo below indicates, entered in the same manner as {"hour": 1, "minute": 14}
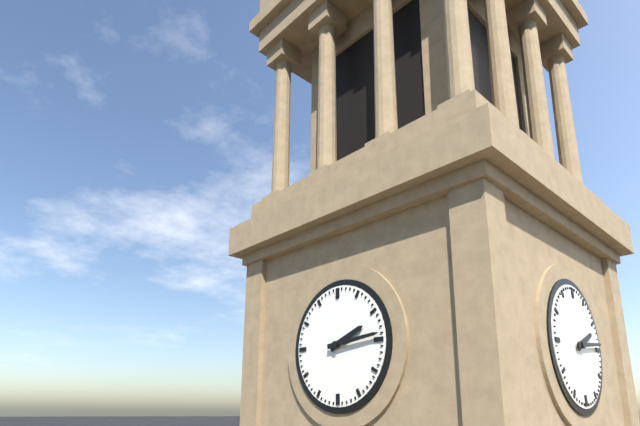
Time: {"hour": 2, "minute": 14}
